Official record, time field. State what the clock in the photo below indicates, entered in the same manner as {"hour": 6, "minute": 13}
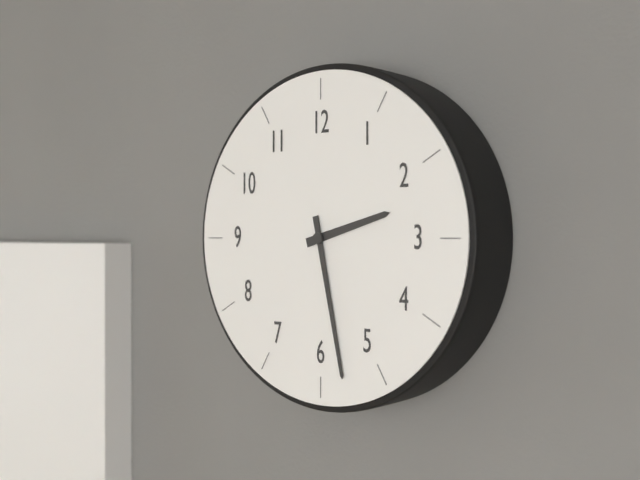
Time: {"hour": 2, "minute": 28}
